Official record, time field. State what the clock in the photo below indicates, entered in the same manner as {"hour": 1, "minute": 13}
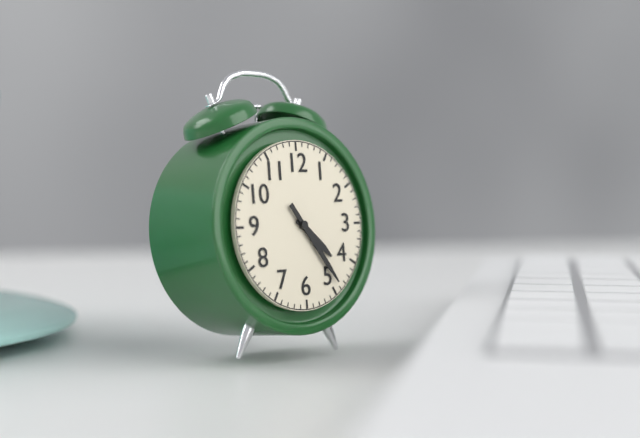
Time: {"hour": 4, "minute": 24}
